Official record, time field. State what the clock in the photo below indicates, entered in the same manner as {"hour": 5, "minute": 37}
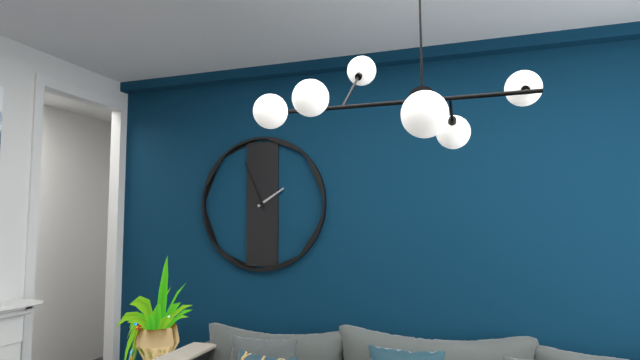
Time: {"hour": 1, "minute": 56}
